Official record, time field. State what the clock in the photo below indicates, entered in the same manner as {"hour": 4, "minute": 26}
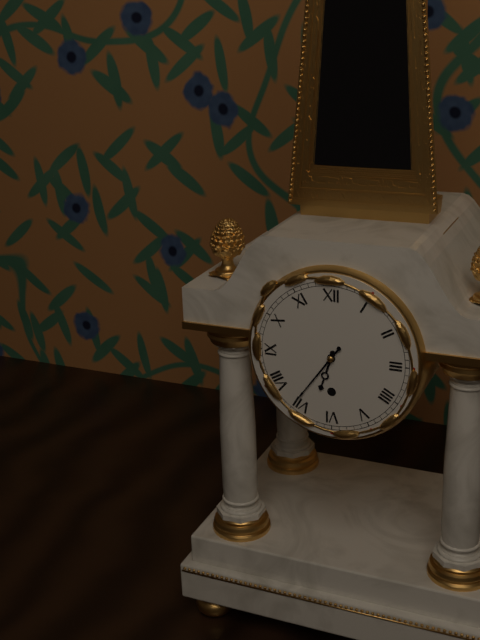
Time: {"hour": 6, "minute": 36}
